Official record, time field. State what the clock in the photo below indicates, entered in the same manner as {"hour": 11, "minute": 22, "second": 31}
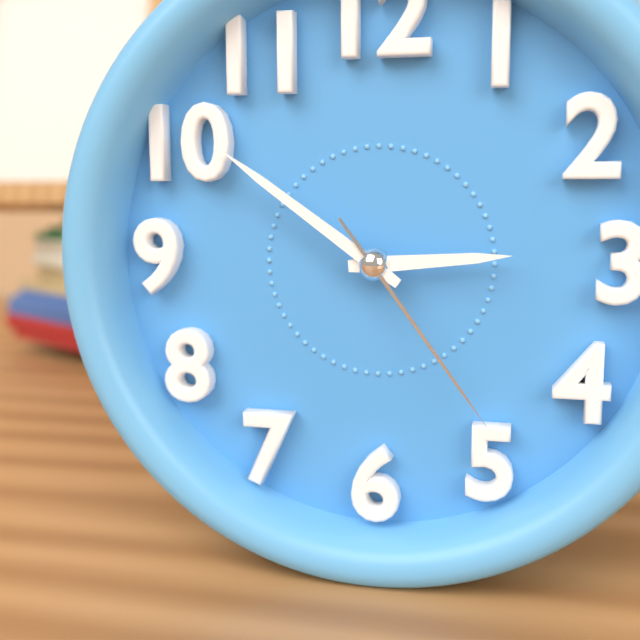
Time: {"hour": 2, "minute": 51, "second": 24}
